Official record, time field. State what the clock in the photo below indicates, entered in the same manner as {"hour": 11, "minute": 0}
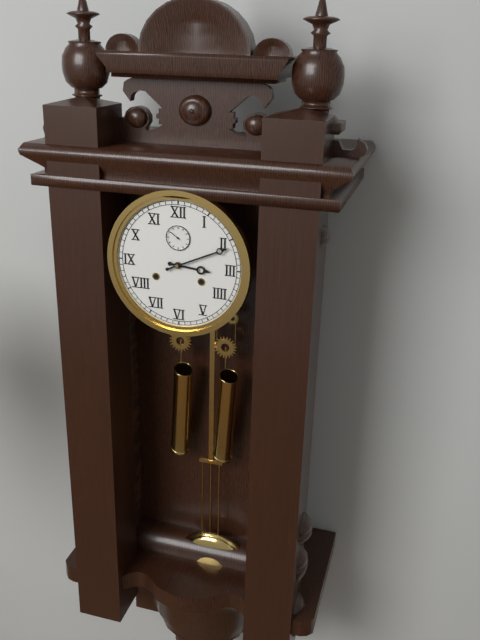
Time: {"hour": 3, "minute": 11}
